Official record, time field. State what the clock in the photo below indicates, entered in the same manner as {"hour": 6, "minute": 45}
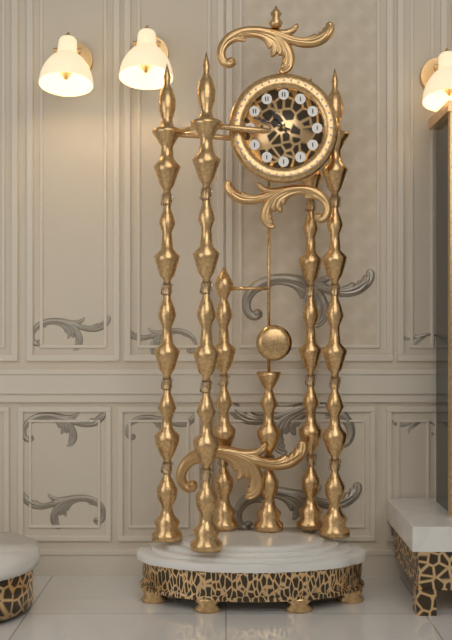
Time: {"hour": 10, "minute": 48}
